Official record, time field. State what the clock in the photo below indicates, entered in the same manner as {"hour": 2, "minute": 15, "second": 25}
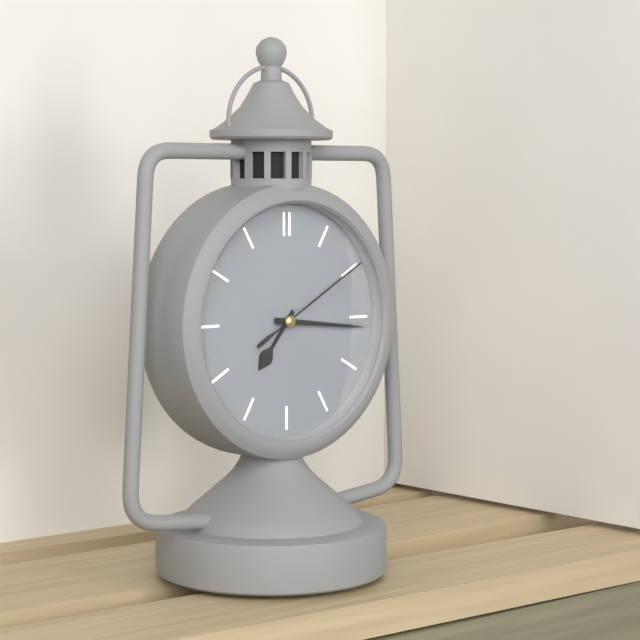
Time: {"hour": 7, "minute": 16, "second": 10}
